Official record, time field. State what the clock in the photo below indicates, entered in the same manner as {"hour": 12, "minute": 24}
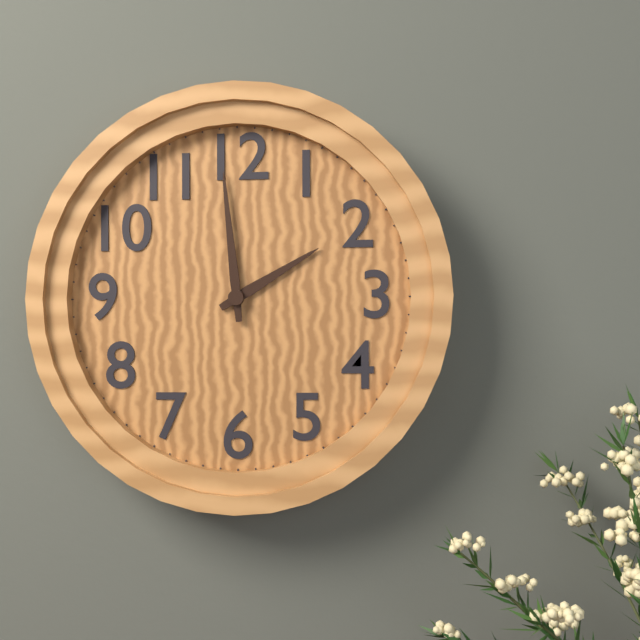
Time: {"hour": 1, "minute": 59}
